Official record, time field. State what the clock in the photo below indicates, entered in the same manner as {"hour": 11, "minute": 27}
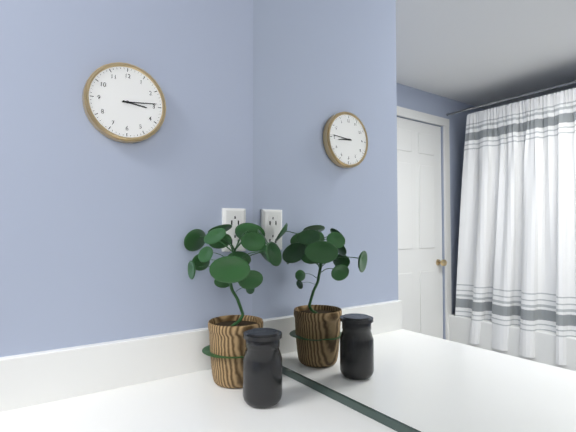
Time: {"hour": 3, "minute": 14}
